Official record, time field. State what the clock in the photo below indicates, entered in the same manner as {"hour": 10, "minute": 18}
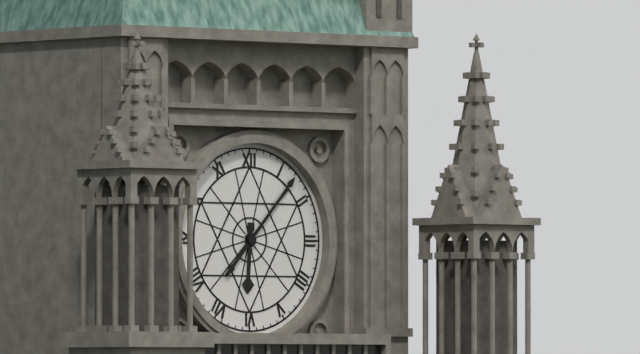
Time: {"hour": 6, "minute": 7}
